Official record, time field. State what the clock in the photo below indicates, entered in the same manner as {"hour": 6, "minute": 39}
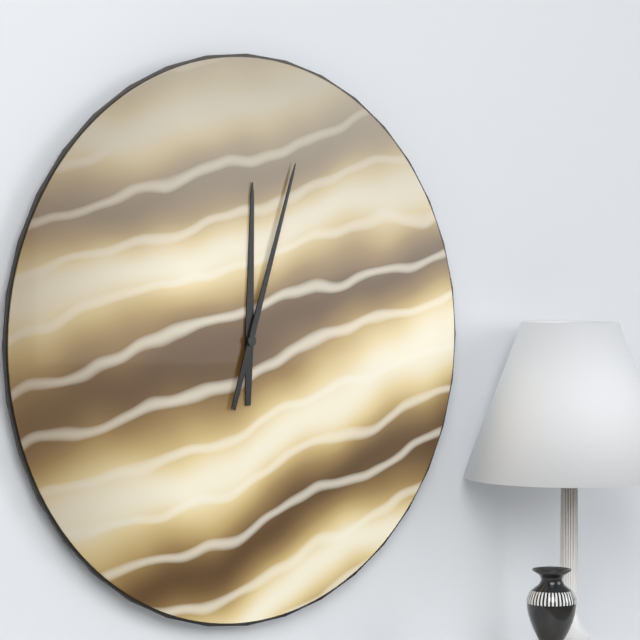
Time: {"hour": 12, "minute": 3}
